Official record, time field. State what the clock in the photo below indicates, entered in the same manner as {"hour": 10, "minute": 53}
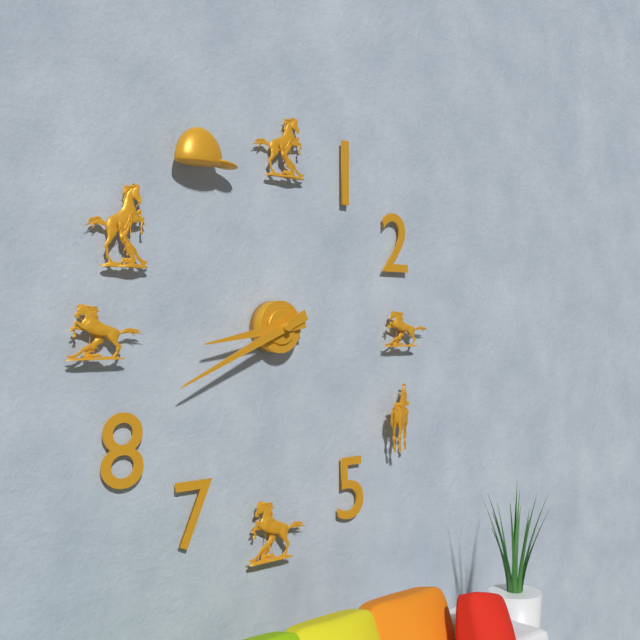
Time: {"hour": 8, "minute": 41}
